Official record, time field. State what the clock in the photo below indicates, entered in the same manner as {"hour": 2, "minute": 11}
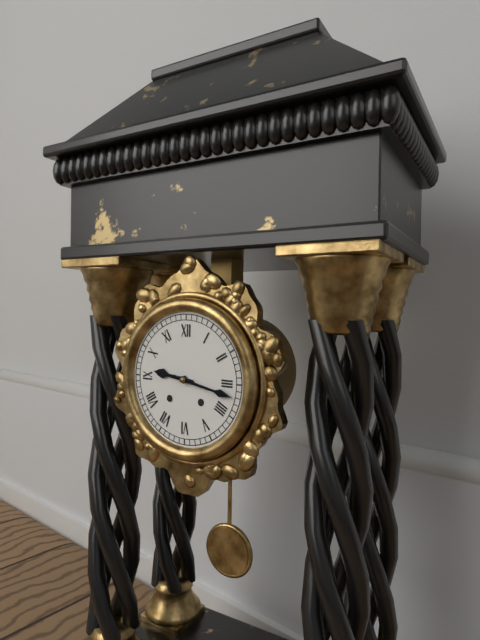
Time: {"hour": 9, "minute": 17}
